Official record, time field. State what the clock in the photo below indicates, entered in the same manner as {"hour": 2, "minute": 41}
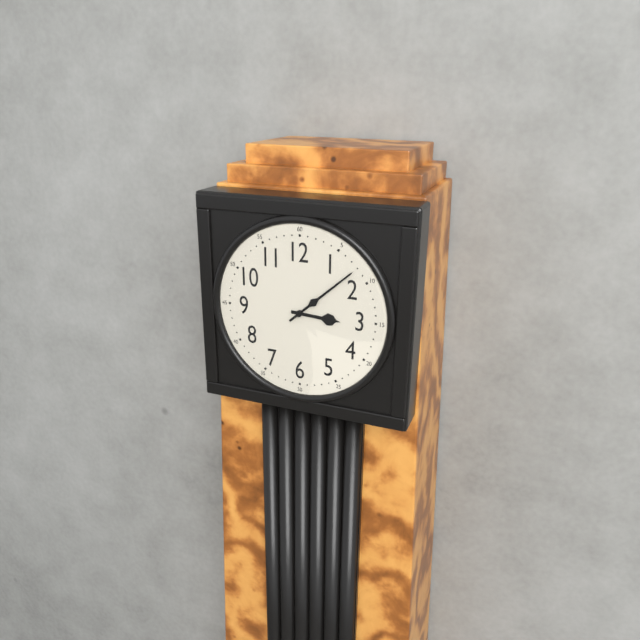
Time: {"hour": 3, "minute": 8}
